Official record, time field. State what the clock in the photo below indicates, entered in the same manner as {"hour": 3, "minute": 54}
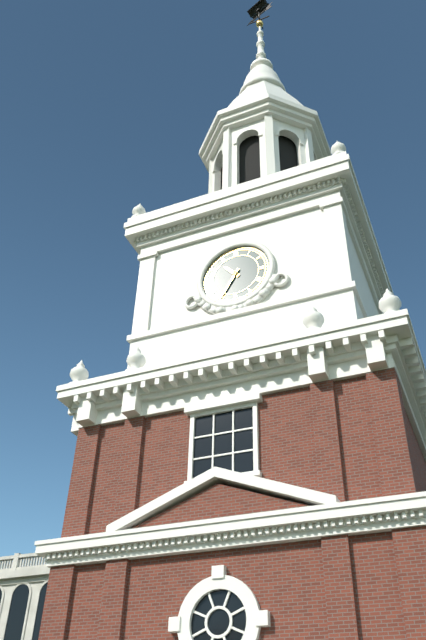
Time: {"hour": 10, "minute": 35}
